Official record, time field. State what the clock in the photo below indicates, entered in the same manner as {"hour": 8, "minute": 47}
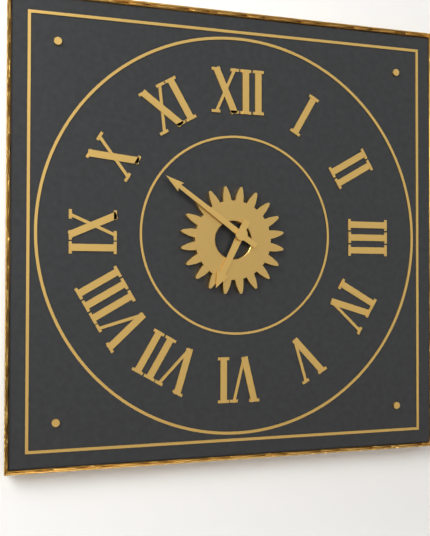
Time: {"hour": 6, "minute": 51}
